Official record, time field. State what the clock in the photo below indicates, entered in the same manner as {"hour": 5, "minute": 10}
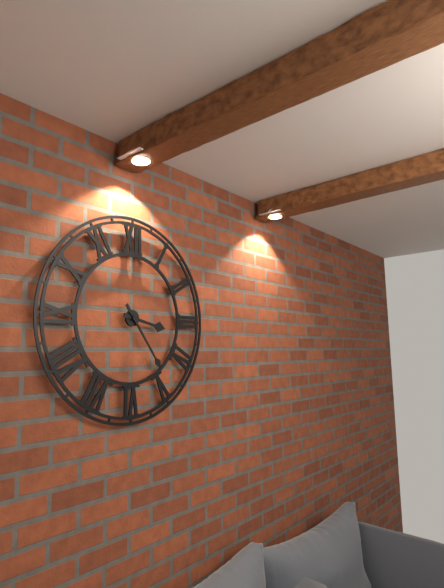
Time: {"hour": 3, "minute": 24}
